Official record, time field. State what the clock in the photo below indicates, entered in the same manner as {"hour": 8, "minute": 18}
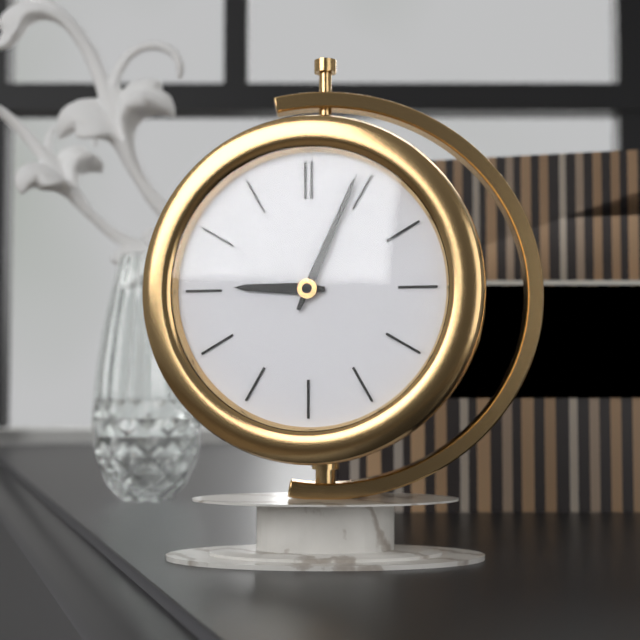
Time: {"hour": 9, "minute": 4}
